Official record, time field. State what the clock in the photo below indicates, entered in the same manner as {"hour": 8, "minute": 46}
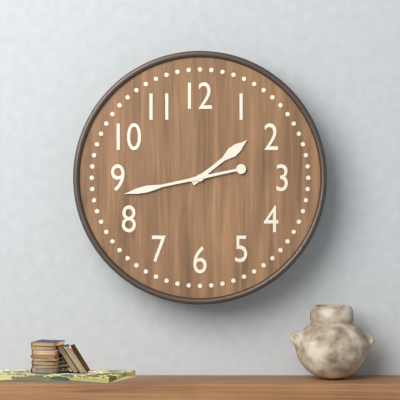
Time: {"hour": 1, "minute": 43}
